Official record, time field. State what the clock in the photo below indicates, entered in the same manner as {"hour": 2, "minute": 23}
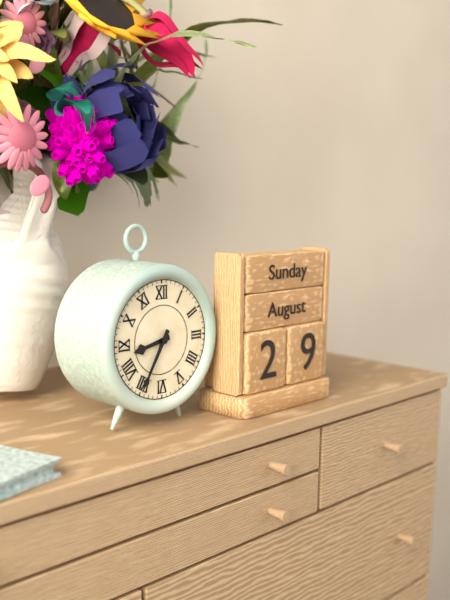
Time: {"hour": 8, "minute": 35}
